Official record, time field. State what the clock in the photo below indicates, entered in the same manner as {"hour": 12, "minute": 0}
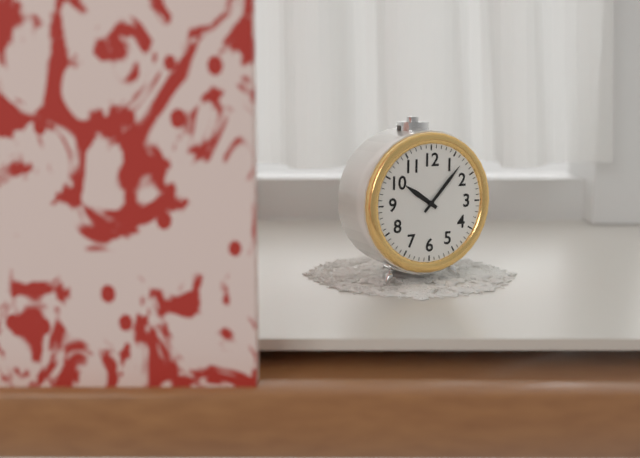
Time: {"hour": 10, "minute": 7}
